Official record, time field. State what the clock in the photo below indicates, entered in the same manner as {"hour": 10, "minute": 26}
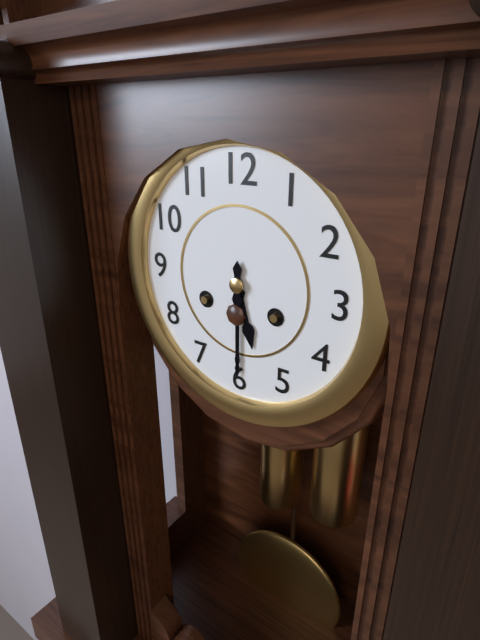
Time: {"hour": 5, "minute": 30}
